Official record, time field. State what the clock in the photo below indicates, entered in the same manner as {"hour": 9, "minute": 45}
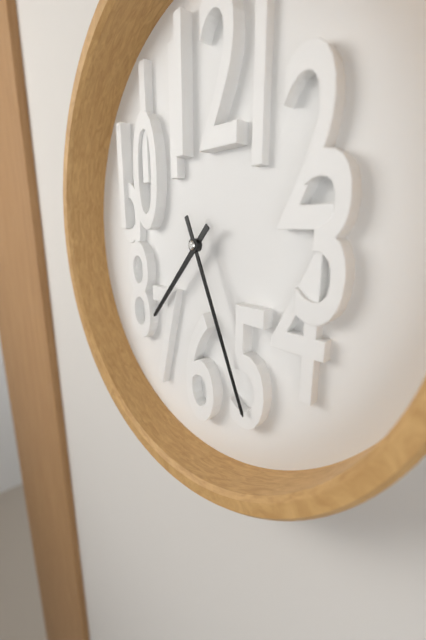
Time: {"hour": 7, "minute": 26}
